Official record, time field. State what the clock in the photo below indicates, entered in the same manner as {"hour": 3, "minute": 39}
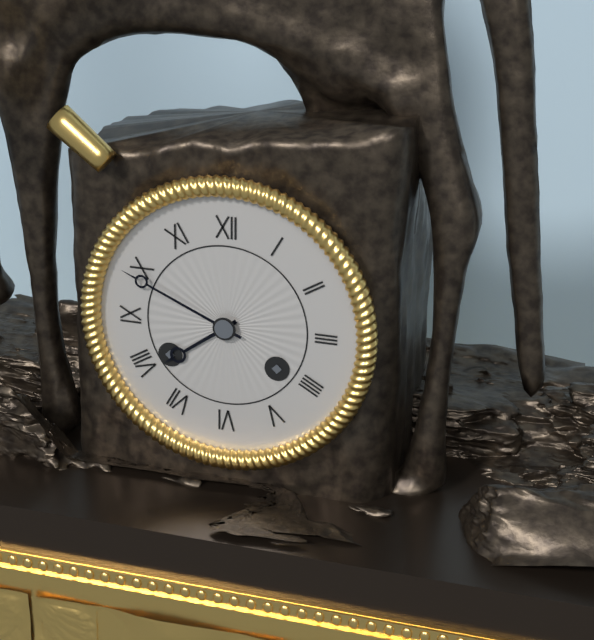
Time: {"hour": 7, "minute": 49}
